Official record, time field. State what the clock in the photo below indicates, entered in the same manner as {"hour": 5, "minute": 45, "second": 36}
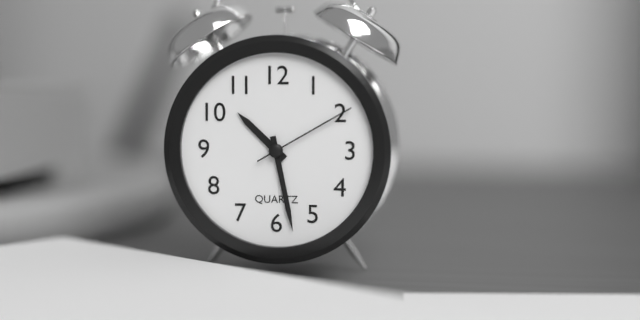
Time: {"hour": 10, "minute": 28, "second": 10}
